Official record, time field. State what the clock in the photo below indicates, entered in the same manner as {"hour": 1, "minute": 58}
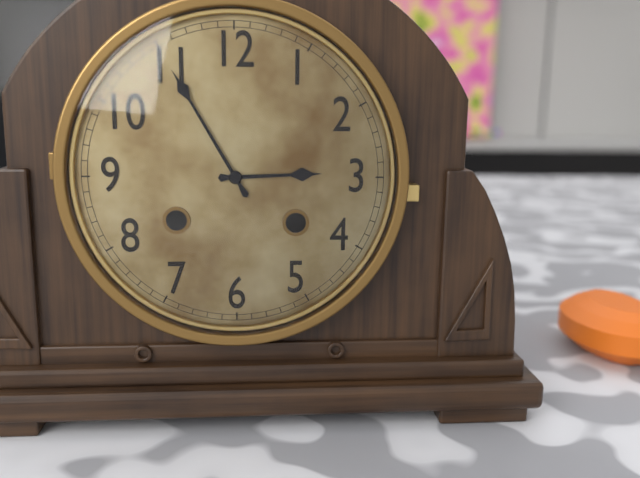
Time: {"hour": 2, "minute": 55}
